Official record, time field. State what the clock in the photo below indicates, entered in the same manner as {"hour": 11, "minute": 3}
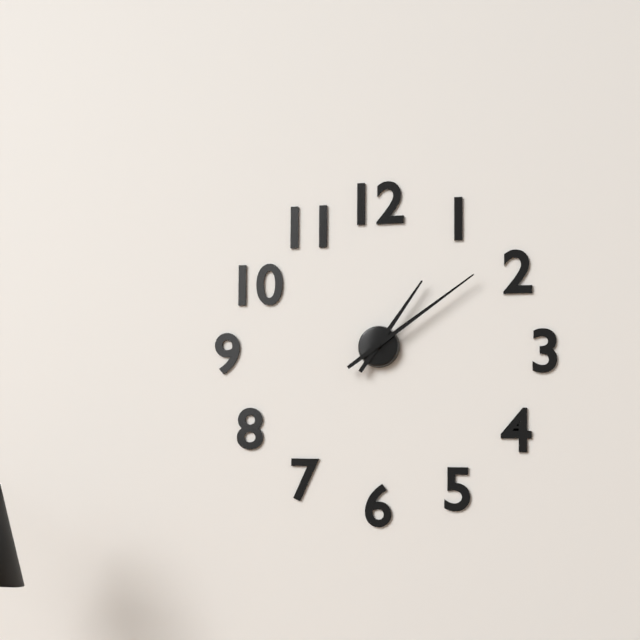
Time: {"hour": 1, "minute": 9}
